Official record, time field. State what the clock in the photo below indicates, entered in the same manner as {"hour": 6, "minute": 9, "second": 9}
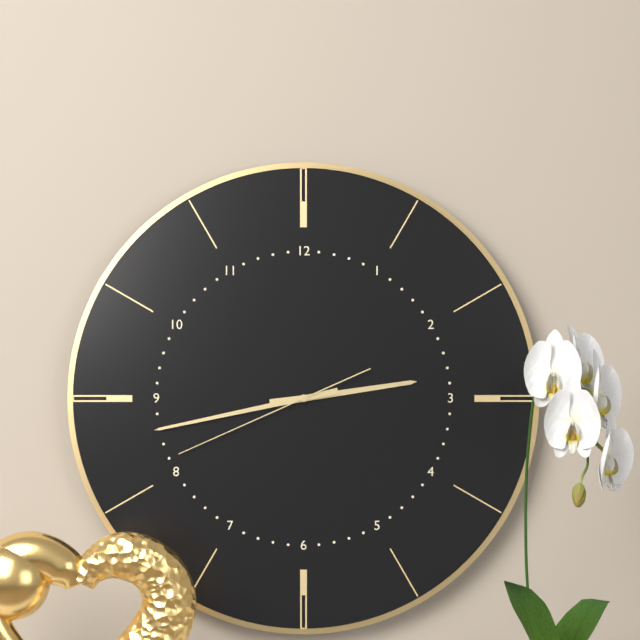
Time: {"hour": 2, "minute": 43, "second": 41}
